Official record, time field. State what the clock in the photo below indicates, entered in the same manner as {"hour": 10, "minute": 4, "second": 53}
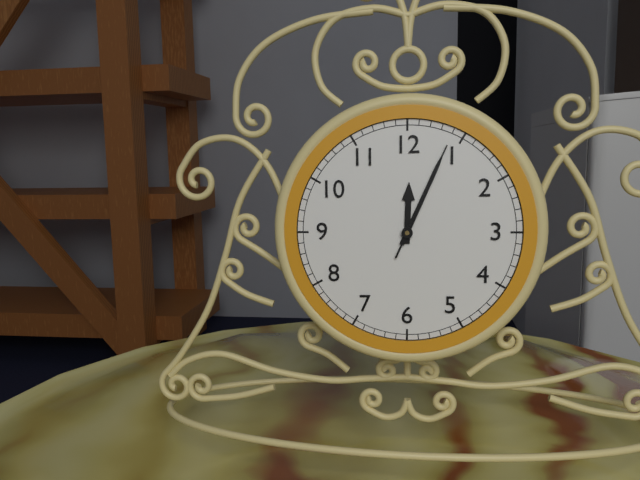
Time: {"hour": 12, "minute": 4, "second": 4}
